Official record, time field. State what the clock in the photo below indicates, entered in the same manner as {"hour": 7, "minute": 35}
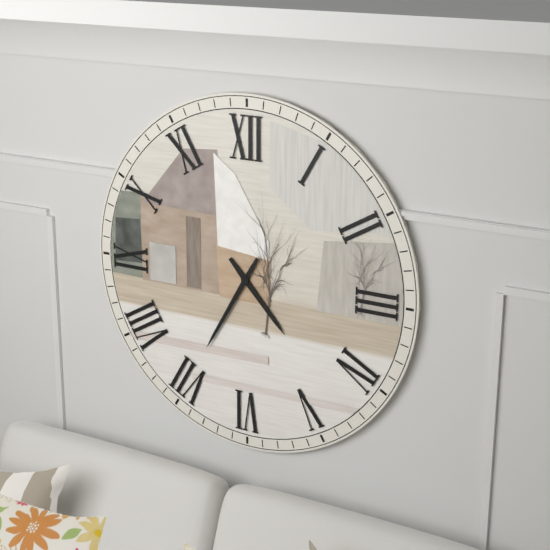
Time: {"hour": 4, "minute": 35}
